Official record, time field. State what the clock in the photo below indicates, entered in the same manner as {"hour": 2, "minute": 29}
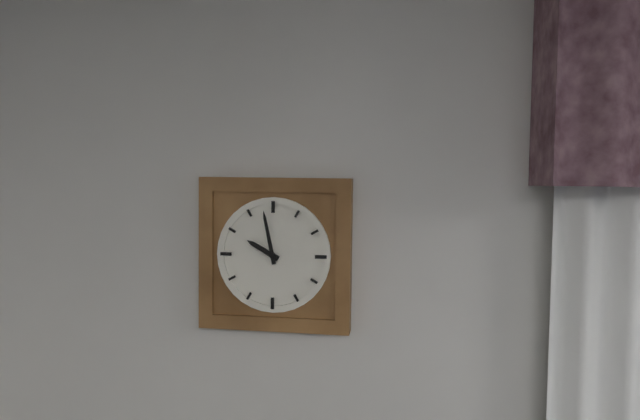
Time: {"hour": 9, "minute": 58}
